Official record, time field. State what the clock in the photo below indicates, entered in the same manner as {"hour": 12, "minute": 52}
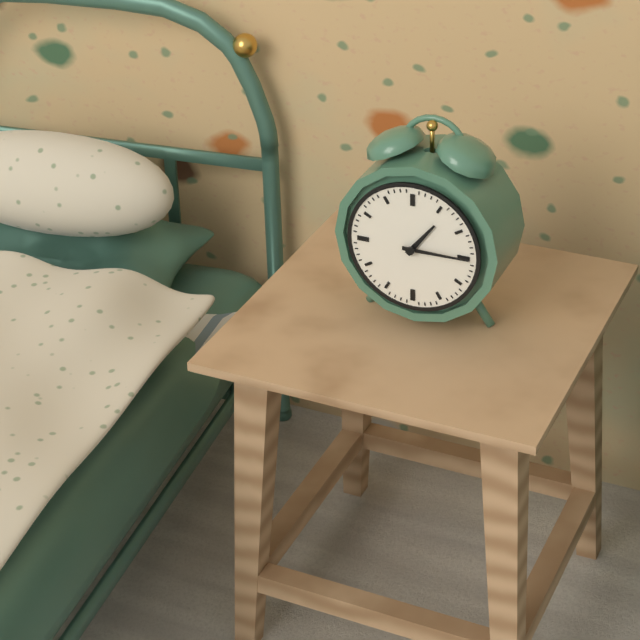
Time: {"hour": 1, "minute": 15}
